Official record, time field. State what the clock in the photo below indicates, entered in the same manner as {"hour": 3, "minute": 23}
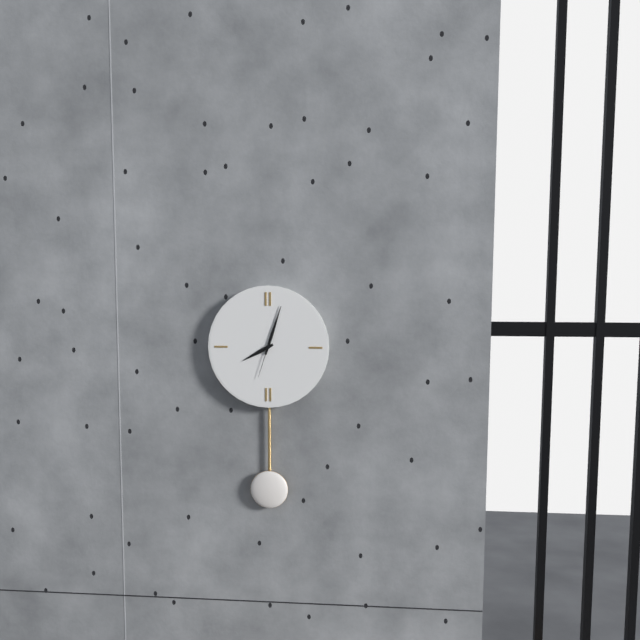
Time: {"hour": 8, "minute": 3}
